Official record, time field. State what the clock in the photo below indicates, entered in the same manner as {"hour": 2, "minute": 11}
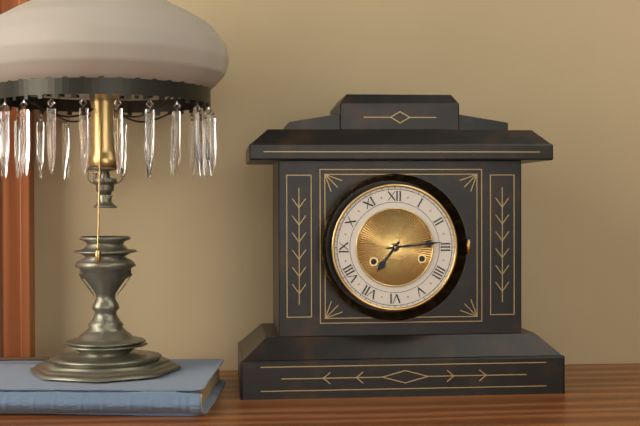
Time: {"hour": 7, "minute": 14}
